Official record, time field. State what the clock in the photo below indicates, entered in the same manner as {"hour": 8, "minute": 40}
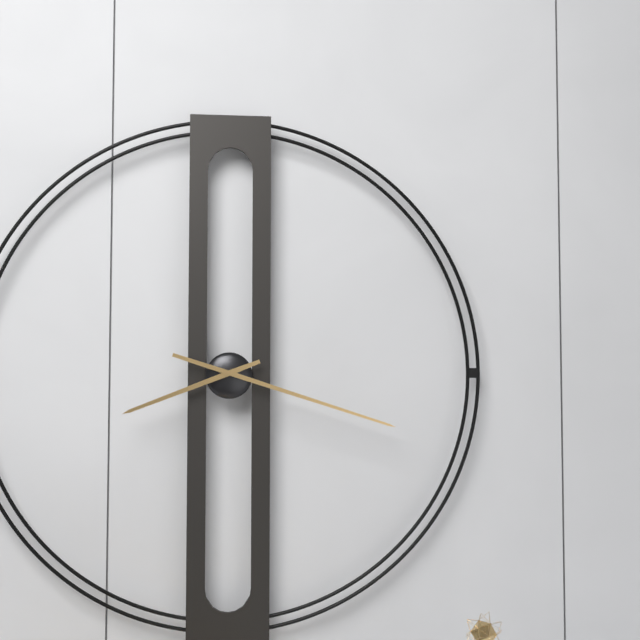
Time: {"hour": 8, "minute": 18}
